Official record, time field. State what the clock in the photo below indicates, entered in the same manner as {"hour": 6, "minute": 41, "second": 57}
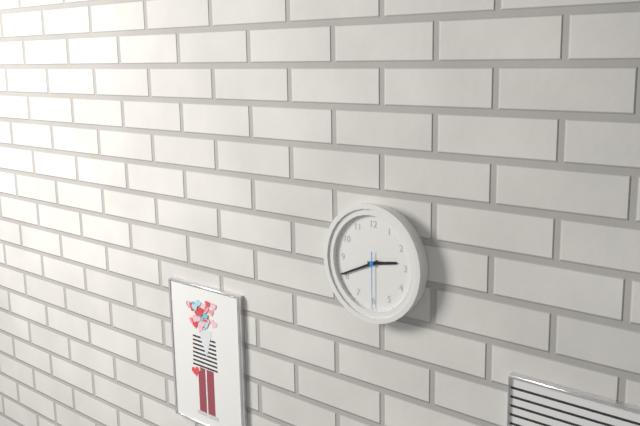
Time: {"hour": 2, "minute": 41, "second": 30}
